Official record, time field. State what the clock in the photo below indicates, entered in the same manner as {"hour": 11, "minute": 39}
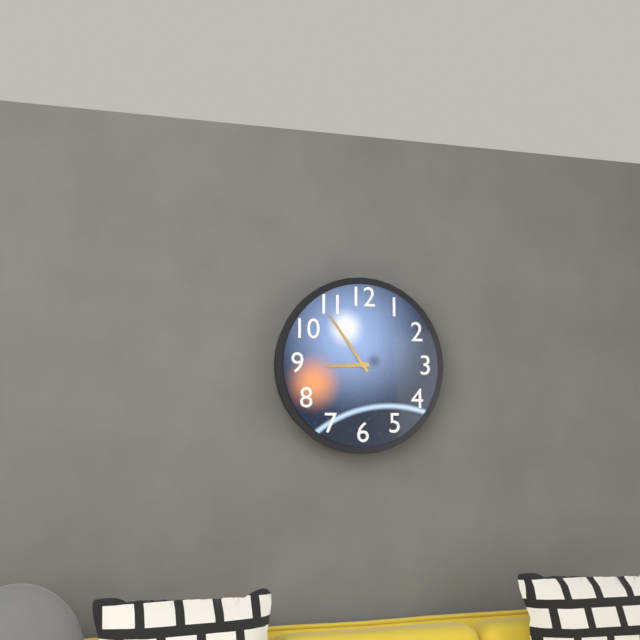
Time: {"hour": 8, "minute": 54}
